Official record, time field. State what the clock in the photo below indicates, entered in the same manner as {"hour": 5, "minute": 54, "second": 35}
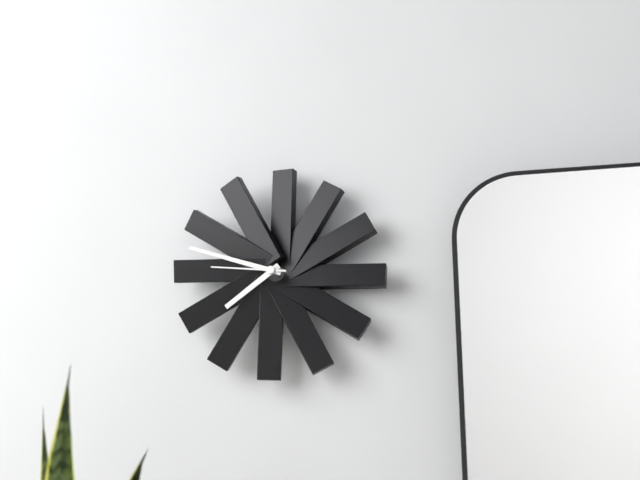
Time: {"hour": 7, "minute": 48, "second": 46}
